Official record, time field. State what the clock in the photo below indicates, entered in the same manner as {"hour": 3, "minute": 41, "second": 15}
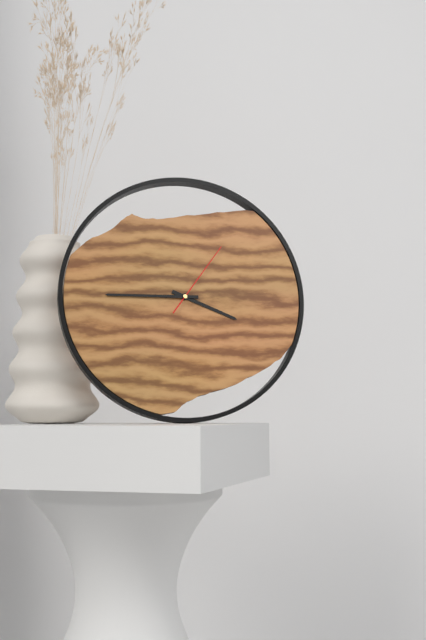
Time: {"hour": 3, "minute": 45, "second": 6}
